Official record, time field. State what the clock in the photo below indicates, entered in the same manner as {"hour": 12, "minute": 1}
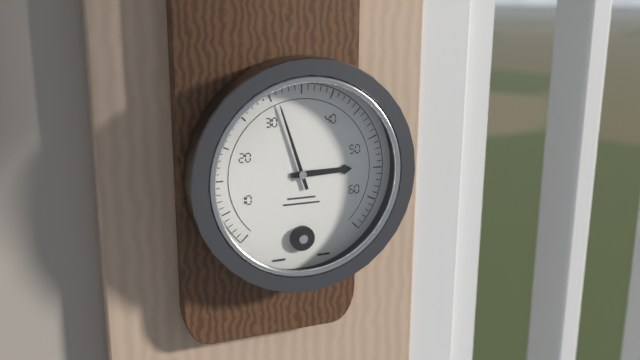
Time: {"hour": 2, "minute": 57}
